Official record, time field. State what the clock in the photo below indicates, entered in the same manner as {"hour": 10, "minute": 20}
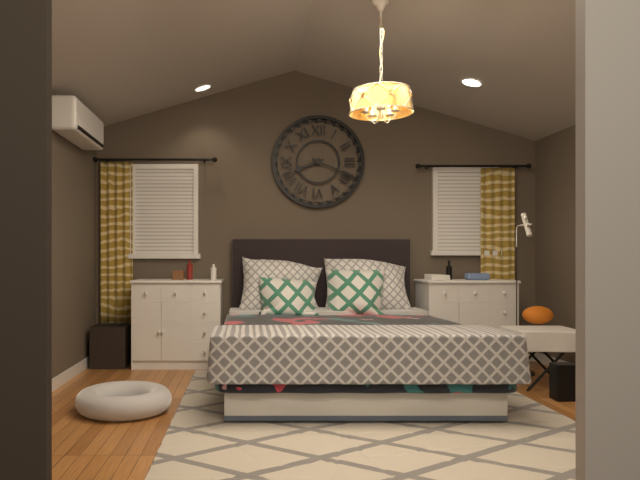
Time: {"hour": 8, "minute": 19}
